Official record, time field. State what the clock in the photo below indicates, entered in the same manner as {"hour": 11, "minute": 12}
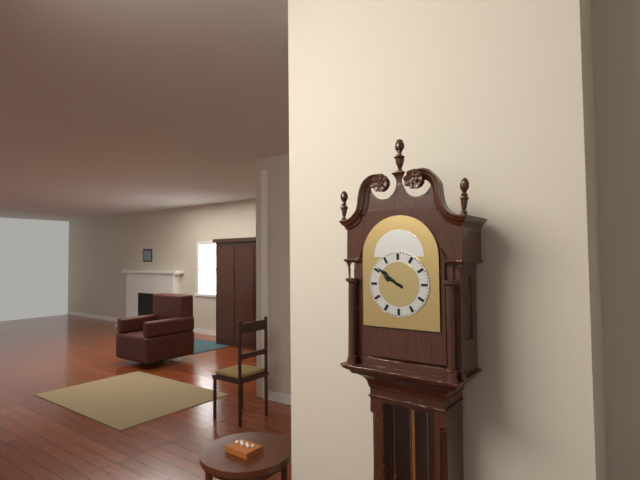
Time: {"hour": 9, "minute": 51}
